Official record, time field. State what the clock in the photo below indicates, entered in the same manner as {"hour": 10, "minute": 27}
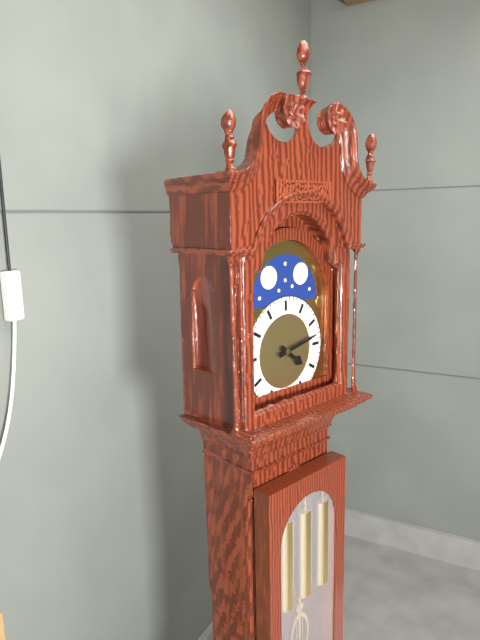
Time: {"hour": 4, "minute": 13}
